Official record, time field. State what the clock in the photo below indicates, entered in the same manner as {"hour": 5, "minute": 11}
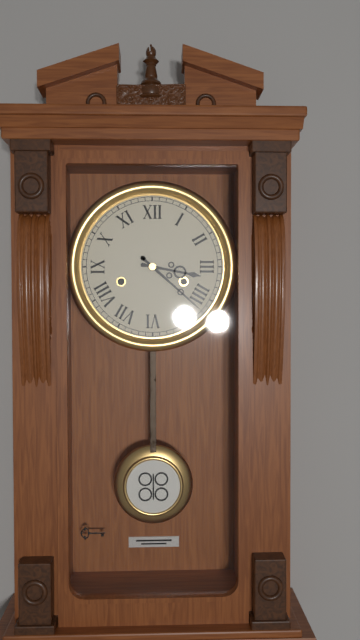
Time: {"hour": 3, "minute": 22}
